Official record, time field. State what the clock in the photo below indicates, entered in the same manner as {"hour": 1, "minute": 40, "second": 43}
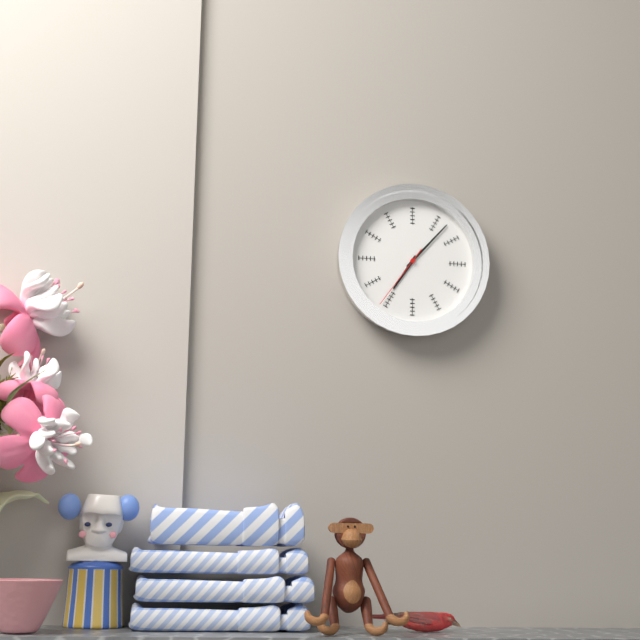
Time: {"hour": 7, "minute": 7, "second": 36}
